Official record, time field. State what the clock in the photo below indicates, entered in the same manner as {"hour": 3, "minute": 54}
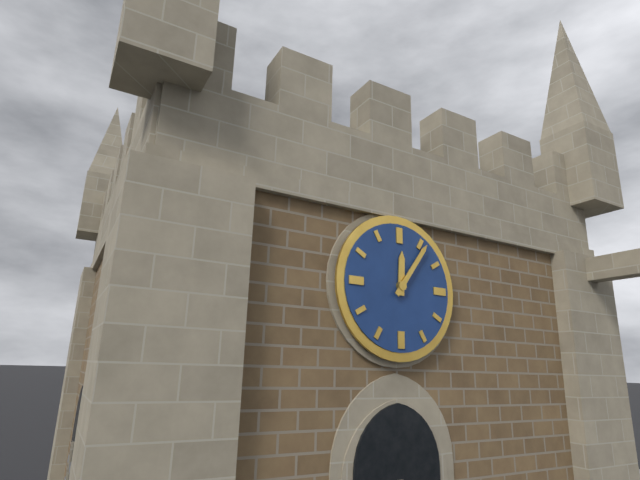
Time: {"hour": 12, "minute": 6}
